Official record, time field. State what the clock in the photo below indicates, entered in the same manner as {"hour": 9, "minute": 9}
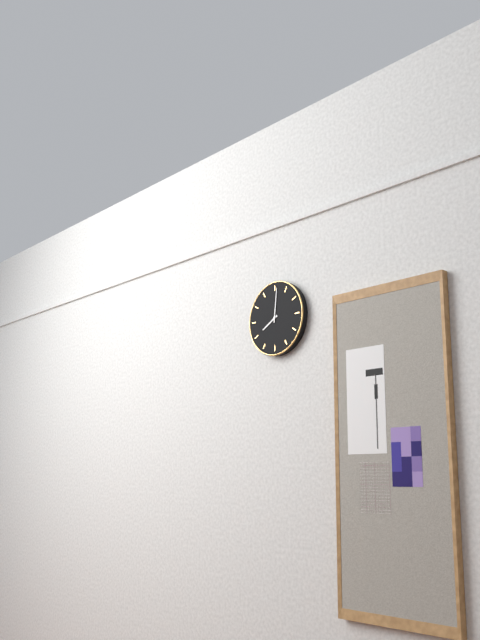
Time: {"hour": 8, "minute": 1}
